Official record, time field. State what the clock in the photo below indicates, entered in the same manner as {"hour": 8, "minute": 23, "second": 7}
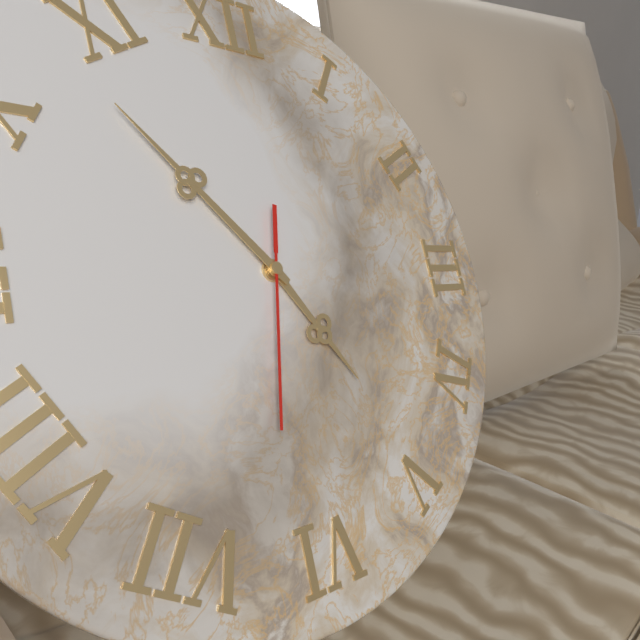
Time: {"hour": 4, "minute": 53, "second": 32}
